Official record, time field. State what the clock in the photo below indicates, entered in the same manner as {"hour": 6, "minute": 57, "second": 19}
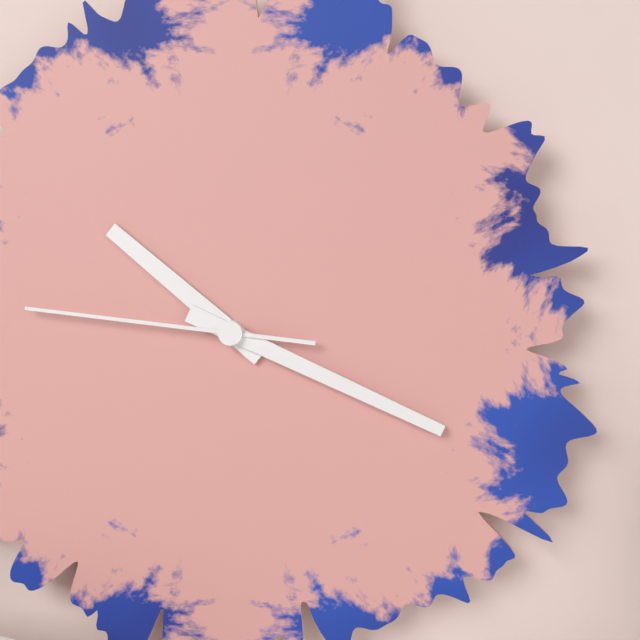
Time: {"hour": 10, "minute": 19, "second": 46}
